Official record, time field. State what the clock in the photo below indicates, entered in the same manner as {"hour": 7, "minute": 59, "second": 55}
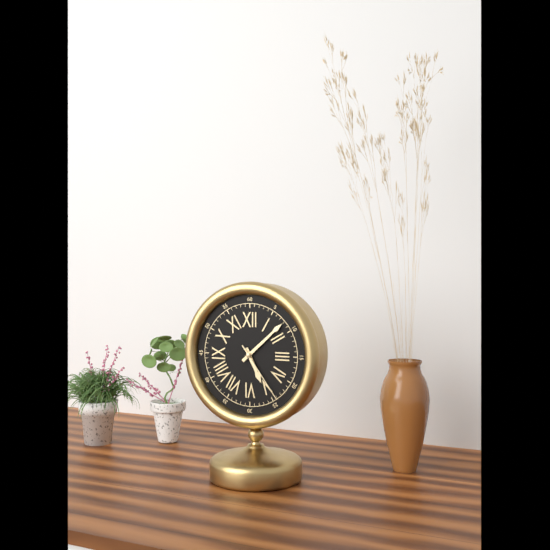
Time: {"hour": 5, "minute": 8, "second": 24}
